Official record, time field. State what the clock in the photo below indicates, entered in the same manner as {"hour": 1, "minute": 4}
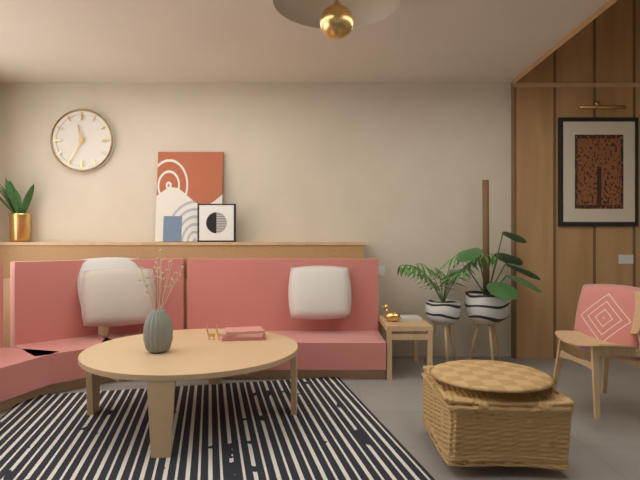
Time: {"hour": 11, "minute": 35}
